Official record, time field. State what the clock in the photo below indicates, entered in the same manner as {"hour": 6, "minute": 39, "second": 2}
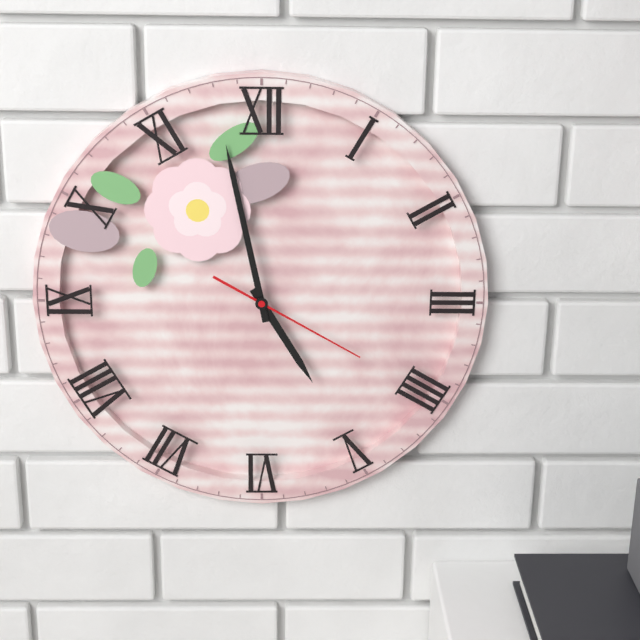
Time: {"hour": 4, "minute": 58, "second": 20}
